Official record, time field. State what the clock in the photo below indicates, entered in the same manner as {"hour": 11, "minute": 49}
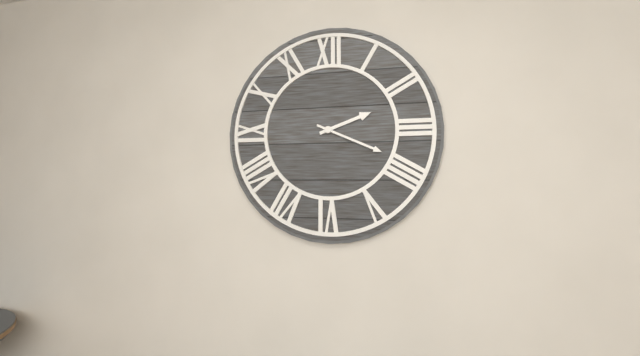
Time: {"hour": 2, "minute": 19}
